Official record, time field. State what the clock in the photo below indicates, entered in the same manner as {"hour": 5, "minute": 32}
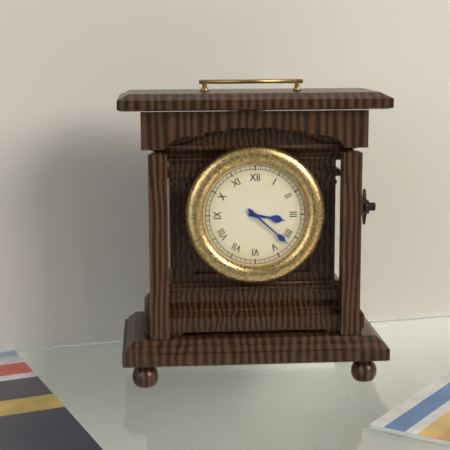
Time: {"hour": 3, "minute": 22}
